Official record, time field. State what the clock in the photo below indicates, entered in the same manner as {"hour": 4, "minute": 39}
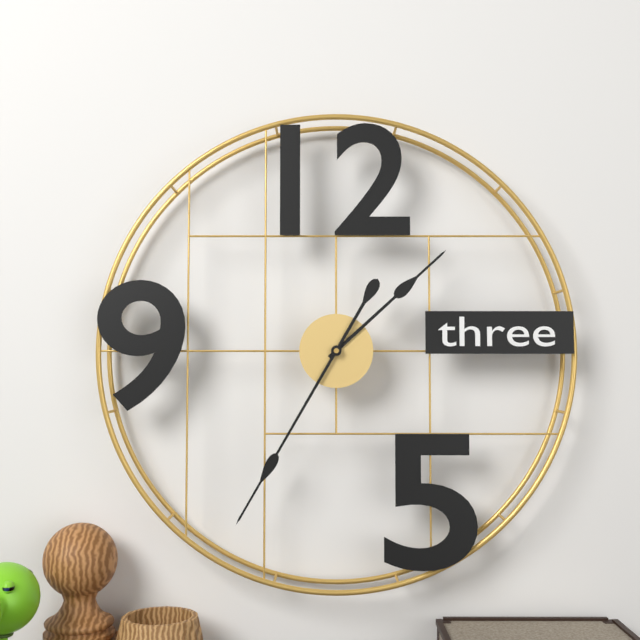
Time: {"hour": 1, "minute": 35}
